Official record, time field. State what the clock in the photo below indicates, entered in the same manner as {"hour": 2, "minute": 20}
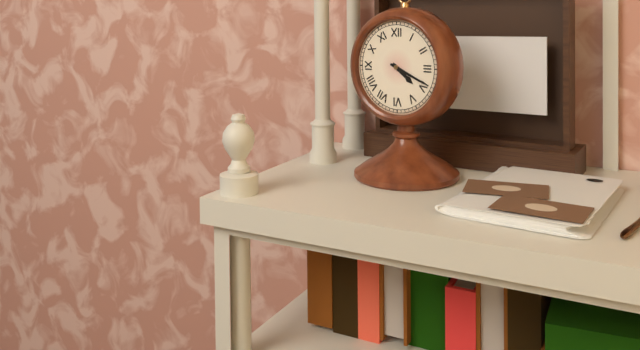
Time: {"hour": 4, "minute": 19}
